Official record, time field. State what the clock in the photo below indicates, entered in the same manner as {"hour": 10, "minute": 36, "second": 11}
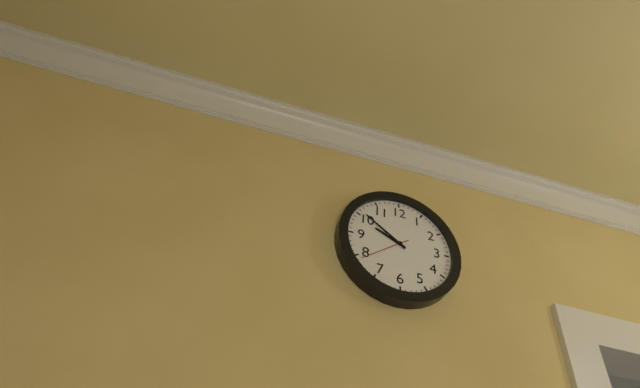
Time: {"hour": 9, "minute": 51, "second": 39}
